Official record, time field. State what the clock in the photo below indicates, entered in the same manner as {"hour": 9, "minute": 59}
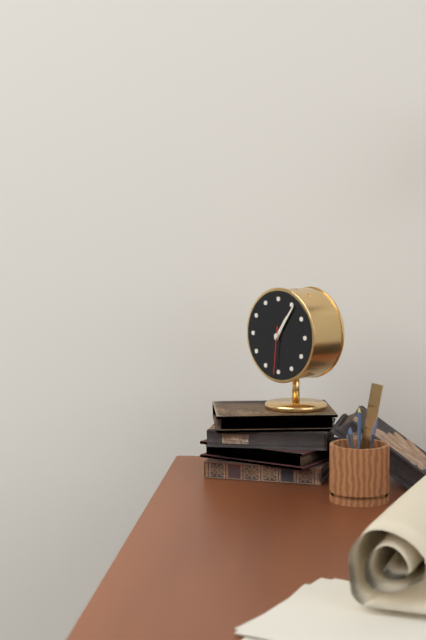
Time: {"hour": 1, "minute": 6}
